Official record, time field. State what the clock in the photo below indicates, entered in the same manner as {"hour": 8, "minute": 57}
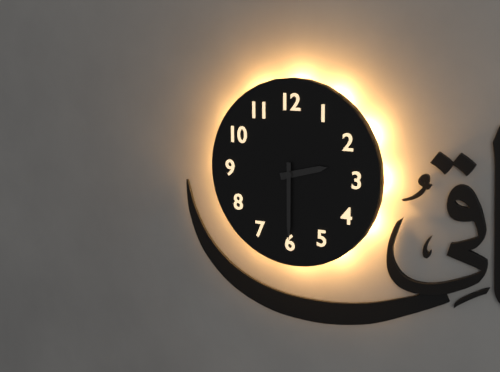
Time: {"hour": 2, "minute": 30}
